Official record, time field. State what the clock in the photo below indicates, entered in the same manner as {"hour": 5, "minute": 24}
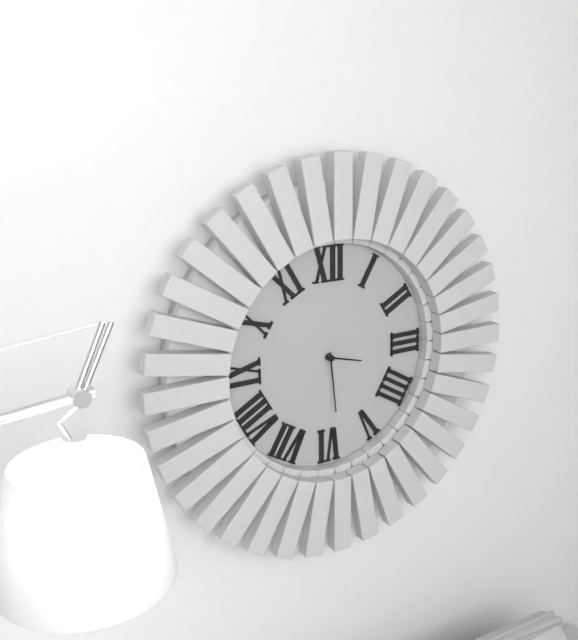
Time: {"hour": 3, "minute": 29}
